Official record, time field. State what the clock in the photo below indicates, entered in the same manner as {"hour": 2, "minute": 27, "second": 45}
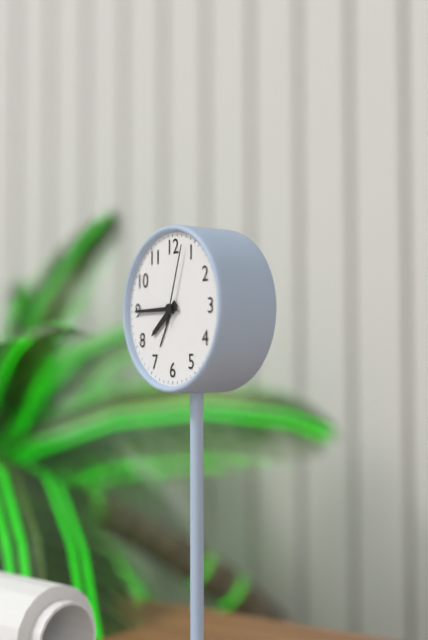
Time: {"hour": 7, "minute": 45, "second": 3}
